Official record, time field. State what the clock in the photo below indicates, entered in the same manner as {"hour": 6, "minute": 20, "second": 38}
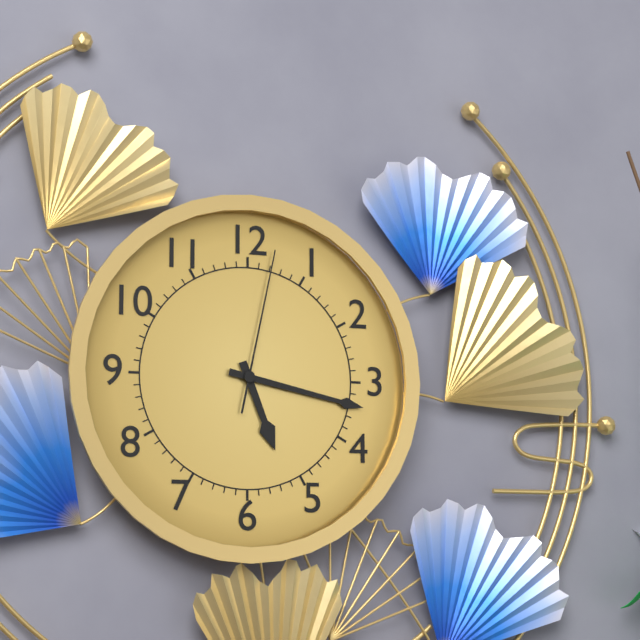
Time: {"hour": 5, "minute": 17, "second": 2}
